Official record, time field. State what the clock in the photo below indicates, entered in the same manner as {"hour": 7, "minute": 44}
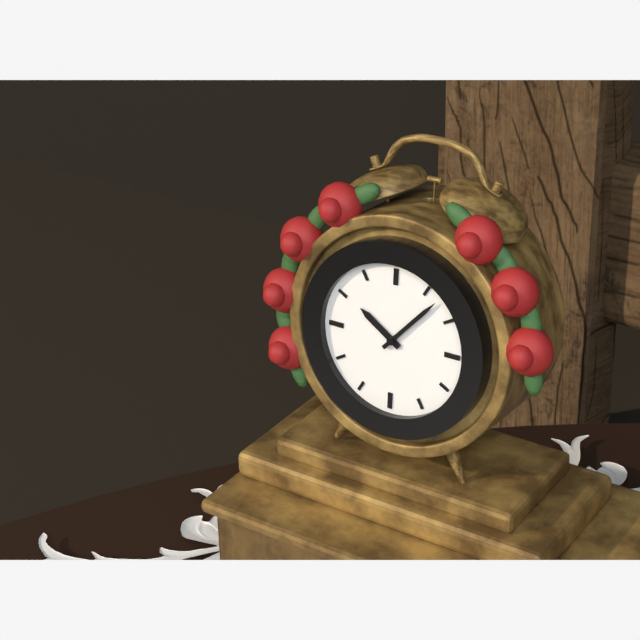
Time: {"hour": 10, "minute": 7}
